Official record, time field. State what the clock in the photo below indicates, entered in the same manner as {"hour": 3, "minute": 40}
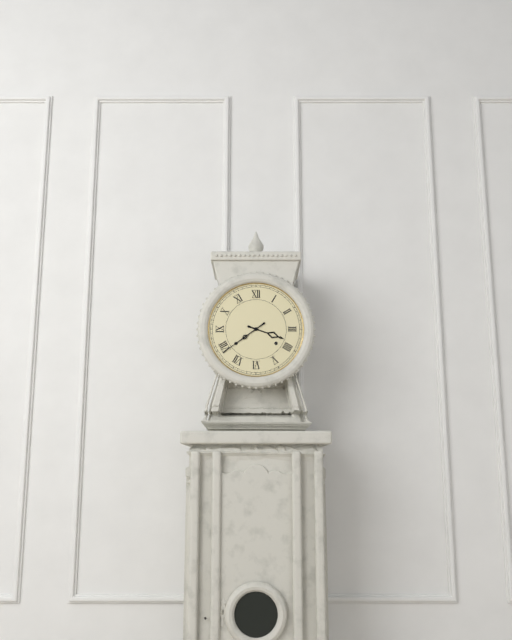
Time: {"hour": 3, "minute": 39}
